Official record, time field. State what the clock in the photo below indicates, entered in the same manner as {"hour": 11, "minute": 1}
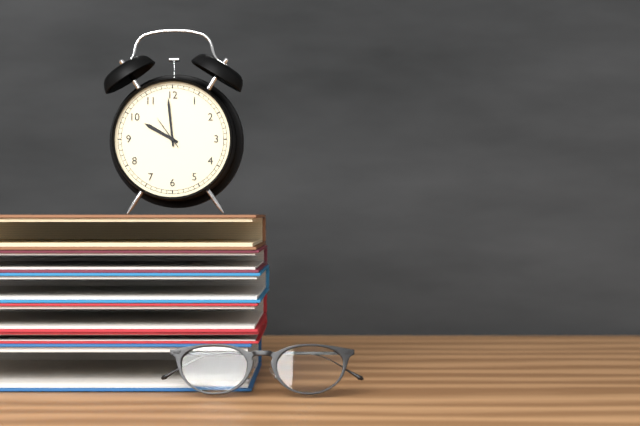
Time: {"hour": 9, "minute": 59}
